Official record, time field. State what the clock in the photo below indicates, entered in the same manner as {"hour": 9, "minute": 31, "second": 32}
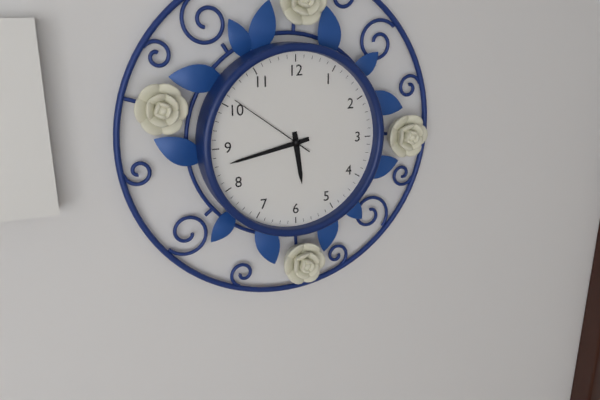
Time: {"hour": 5, "minute": 43, "second": 51}
